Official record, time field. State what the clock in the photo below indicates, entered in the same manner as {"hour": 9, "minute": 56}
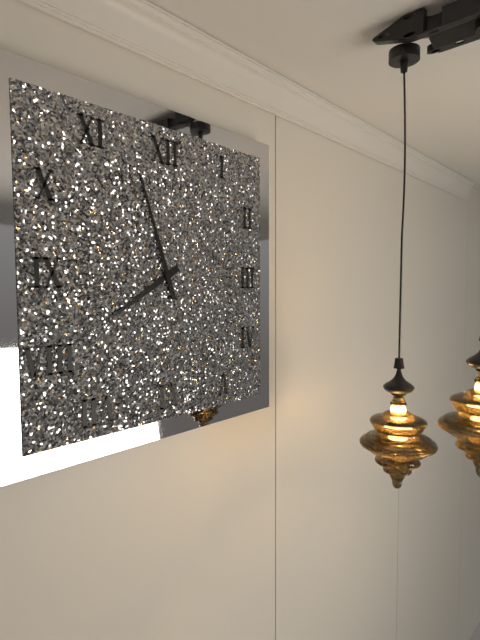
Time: {"hour": 7, "minute": 57}
